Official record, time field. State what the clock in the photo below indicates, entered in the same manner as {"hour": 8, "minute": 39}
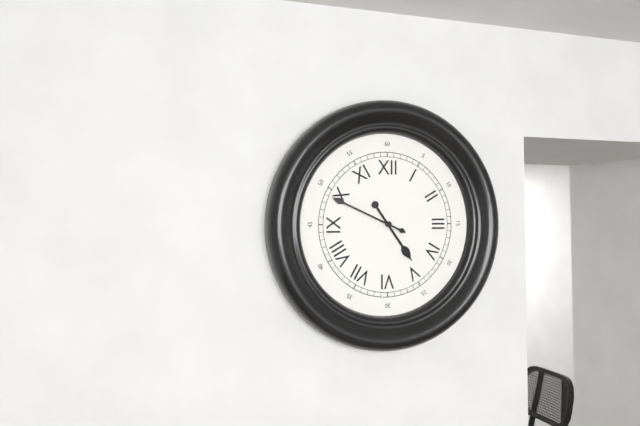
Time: {"hour": 4, "minute": 49}
